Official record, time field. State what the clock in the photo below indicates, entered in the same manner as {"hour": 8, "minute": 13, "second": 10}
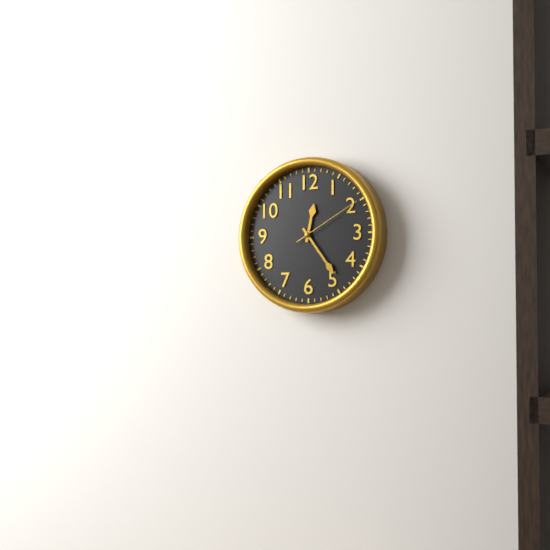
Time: {"hour": 12, "minute": 24, "second": 10}
